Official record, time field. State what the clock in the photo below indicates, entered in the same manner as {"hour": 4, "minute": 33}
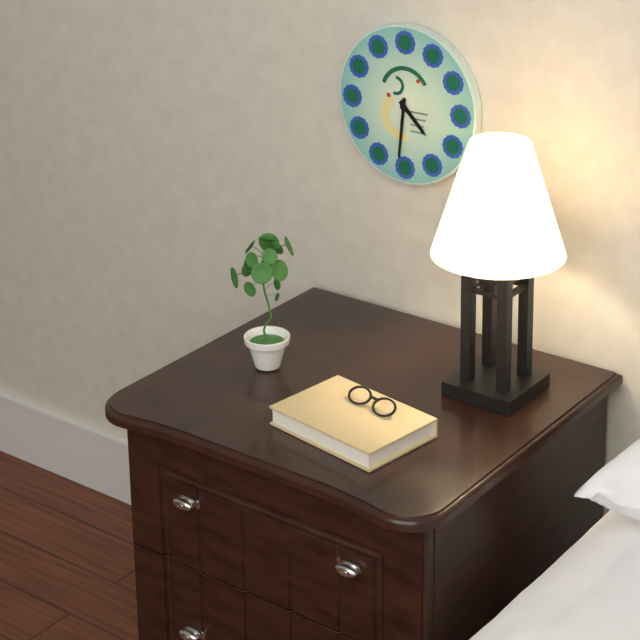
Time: {"hour": 4, "minute": 31}
